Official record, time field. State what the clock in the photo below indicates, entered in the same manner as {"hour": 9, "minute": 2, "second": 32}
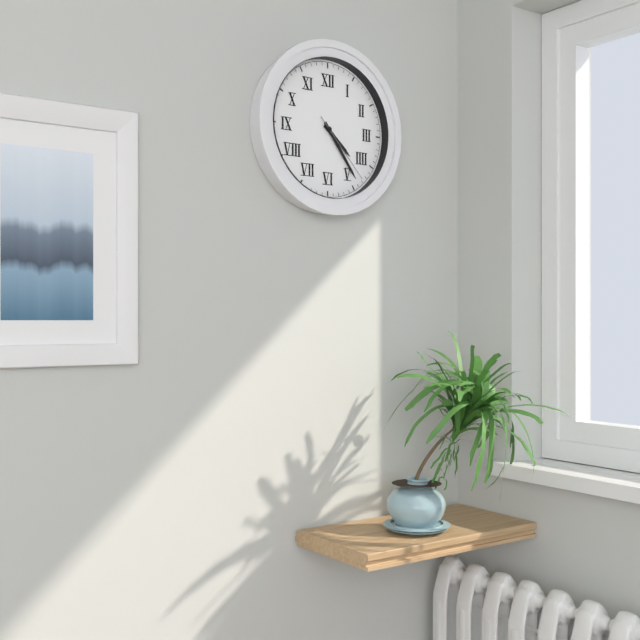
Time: {"hour": 4, "minute": 24, "second": 23}
